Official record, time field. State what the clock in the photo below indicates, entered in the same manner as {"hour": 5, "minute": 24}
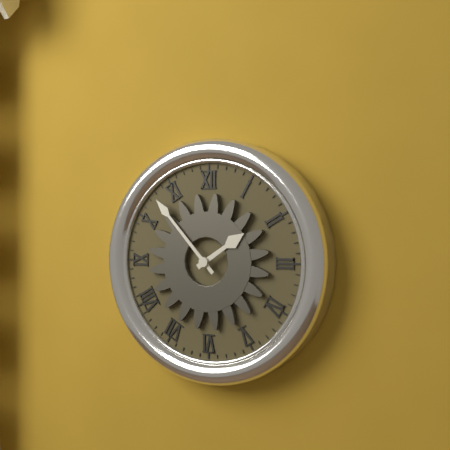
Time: {"hour": 1, "minute": 53}
